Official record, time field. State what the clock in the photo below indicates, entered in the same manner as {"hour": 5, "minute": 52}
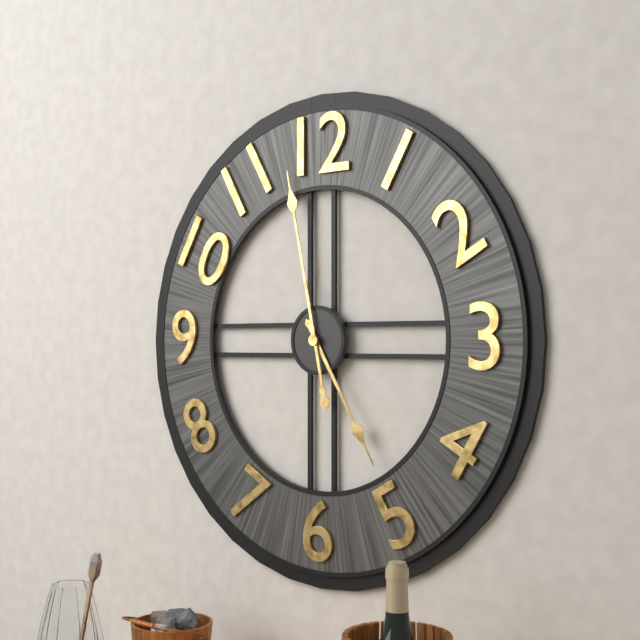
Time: {"hour": 4, "minute": 58}
